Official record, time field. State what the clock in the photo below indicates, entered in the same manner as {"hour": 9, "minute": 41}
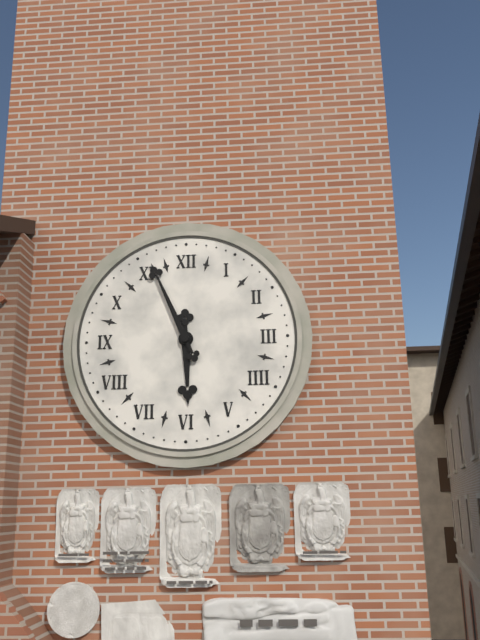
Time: {"hour": 5, "minute": 56}
